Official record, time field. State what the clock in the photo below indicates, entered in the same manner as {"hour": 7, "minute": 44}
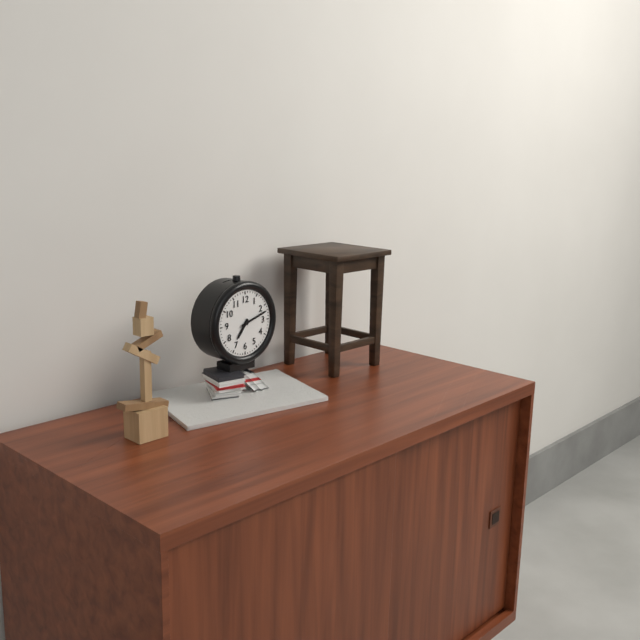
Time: {"hour": 7, "minute": 12}
